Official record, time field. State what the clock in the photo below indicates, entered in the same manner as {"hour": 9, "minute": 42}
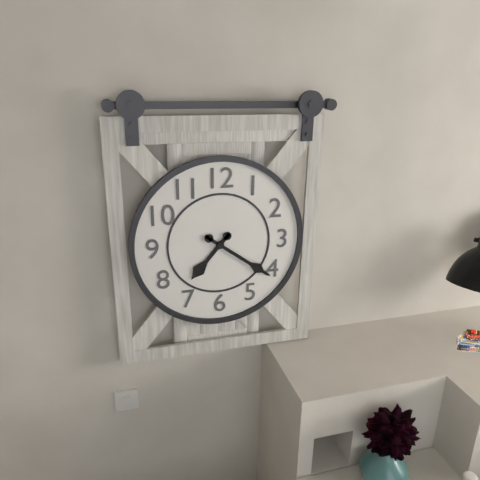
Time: {"hour": 7, "minute": 21}
